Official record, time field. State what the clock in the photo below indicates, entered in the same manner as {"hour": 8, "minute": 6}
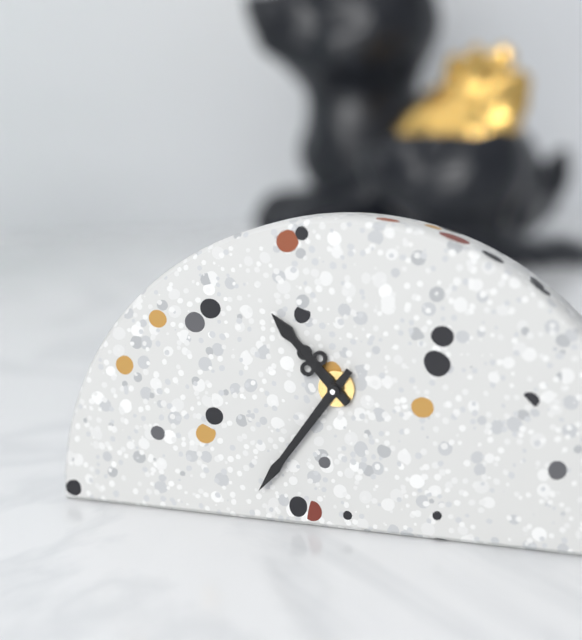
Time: {"hour": 10, "minute": 36}
